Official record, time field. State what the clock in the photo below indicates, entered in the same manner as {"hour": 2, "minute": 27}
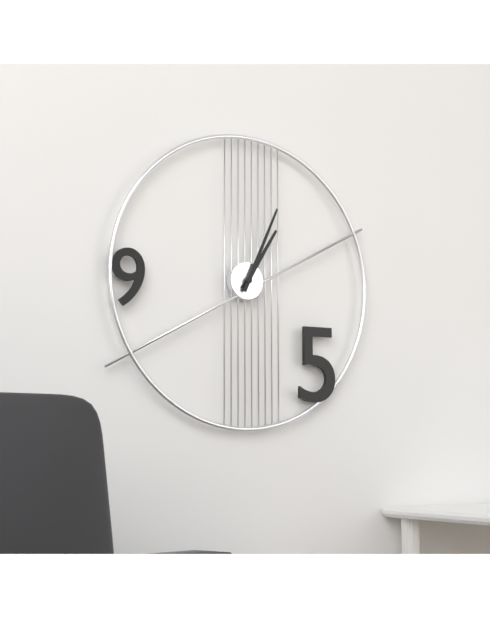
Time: {"hour": 1, "minute": 4}
